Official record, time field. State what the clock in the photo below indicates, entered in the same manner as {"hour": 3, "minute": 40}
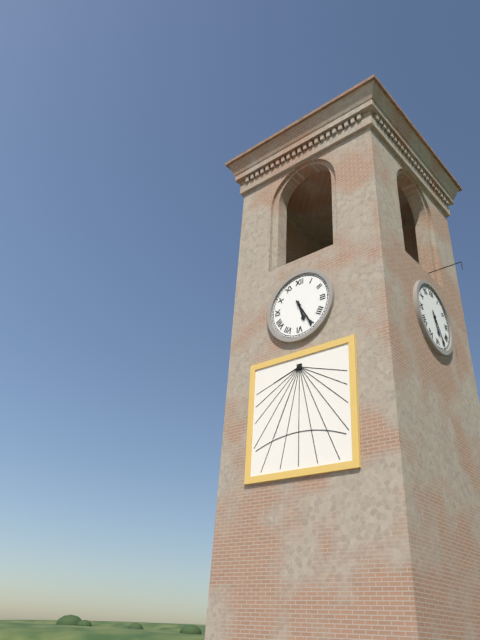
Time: {"hour": 5, "minute": 25}
